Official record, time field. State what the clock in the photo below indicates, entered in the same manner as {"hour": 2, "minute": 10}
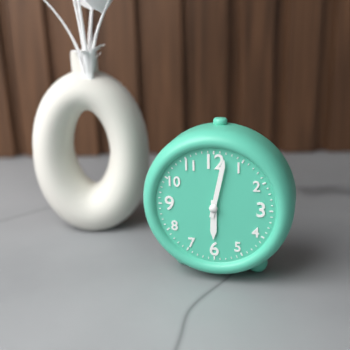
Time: {"hour": 6, "minute": 2}
